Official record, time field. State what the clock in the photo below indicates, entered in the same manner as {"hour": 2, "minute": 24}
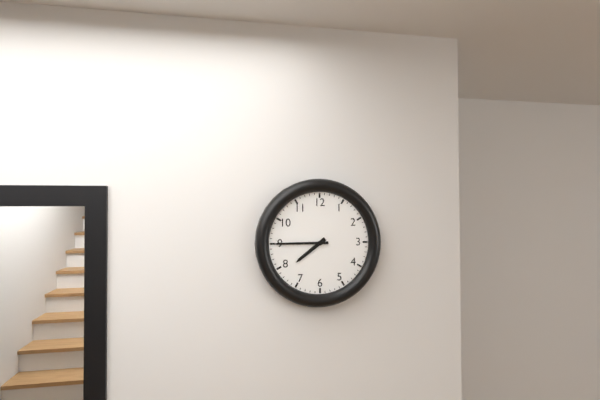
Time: {"hour": 7, "minute": 45}
